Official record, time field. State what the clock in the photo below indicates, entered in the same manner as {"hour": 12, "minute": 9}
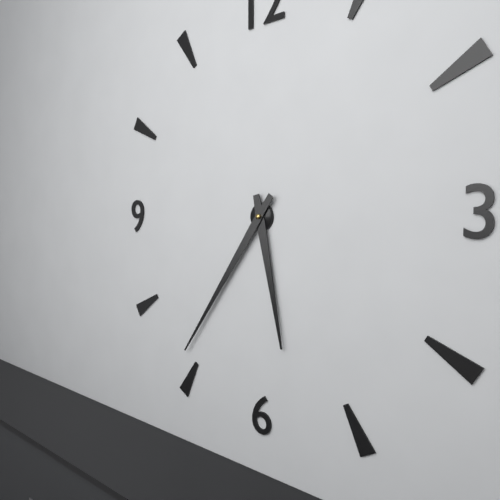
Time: {"hour": 5, "minute": 36}
